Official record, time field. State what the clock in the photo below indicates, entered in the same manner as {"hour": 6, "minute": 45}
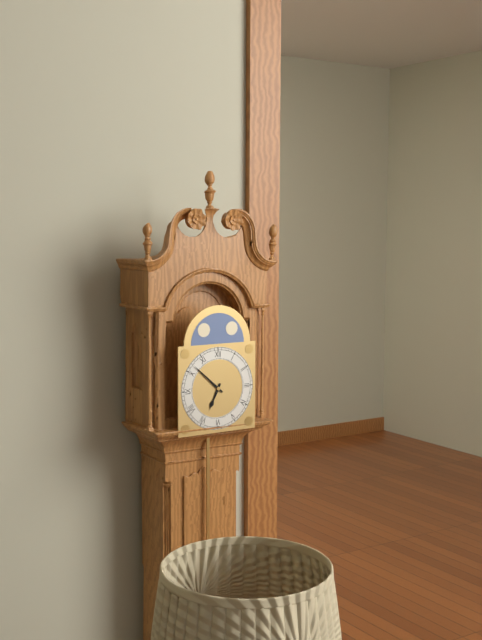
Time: {"hour": 6, "minute": 52}
